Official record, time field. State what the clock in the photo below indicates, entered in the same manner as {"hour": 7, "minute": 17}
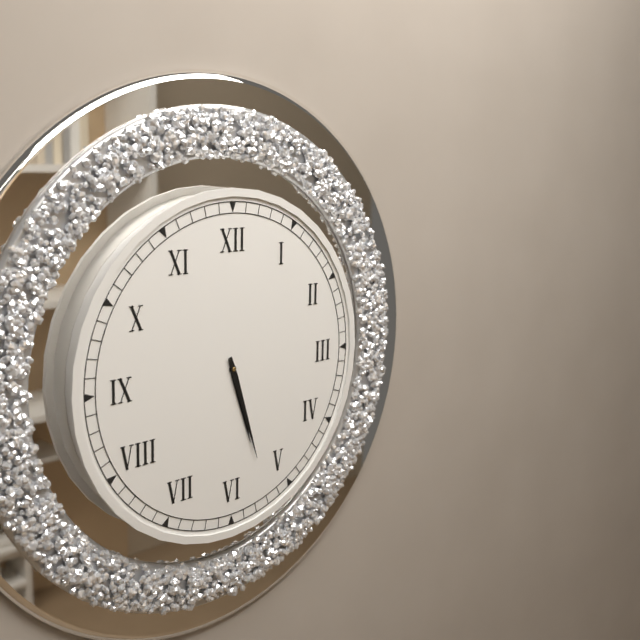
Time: {"hour": 5, "minute": 27}
